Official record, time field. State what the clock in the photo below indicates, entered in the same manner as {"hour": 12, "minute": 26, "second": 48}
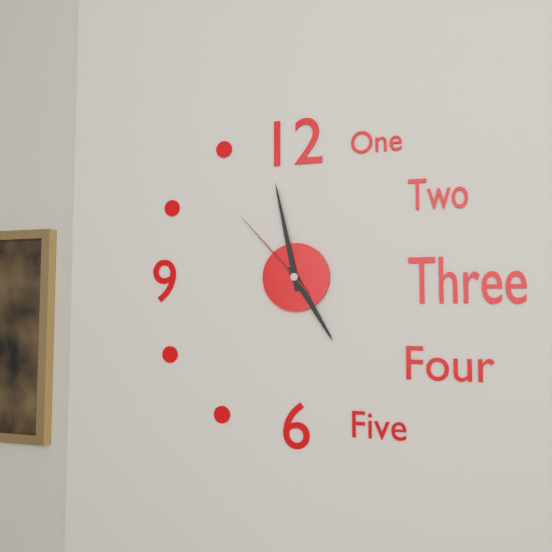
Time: {"hour": 4, "minute": 58, "second": 53}
